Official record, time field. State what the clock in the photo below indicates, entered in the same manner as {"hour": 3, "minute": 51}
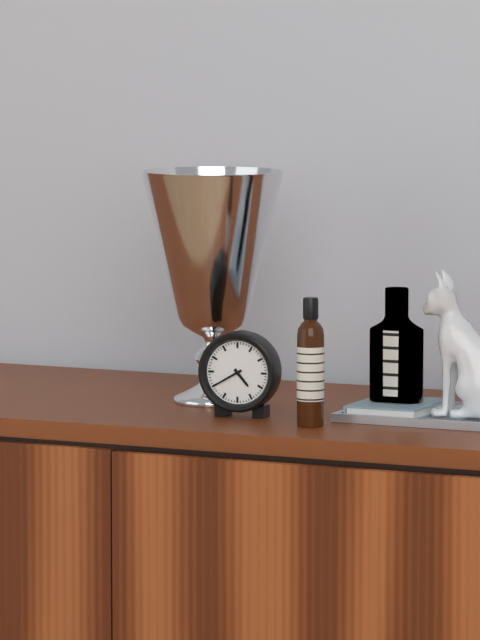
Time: {"hour": 4, "minute": 40}
